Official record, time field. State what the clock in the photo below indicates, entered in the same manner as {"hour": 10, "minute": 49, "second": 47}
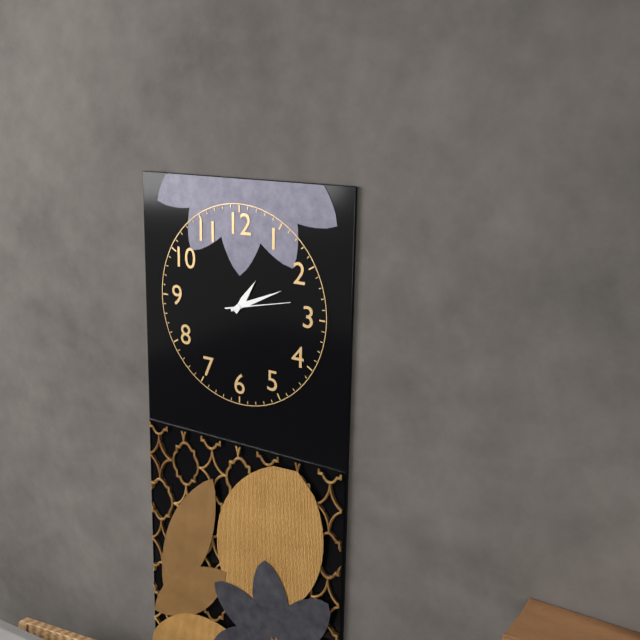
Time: {"hour": 1, "minute": 11, "second": 13}
